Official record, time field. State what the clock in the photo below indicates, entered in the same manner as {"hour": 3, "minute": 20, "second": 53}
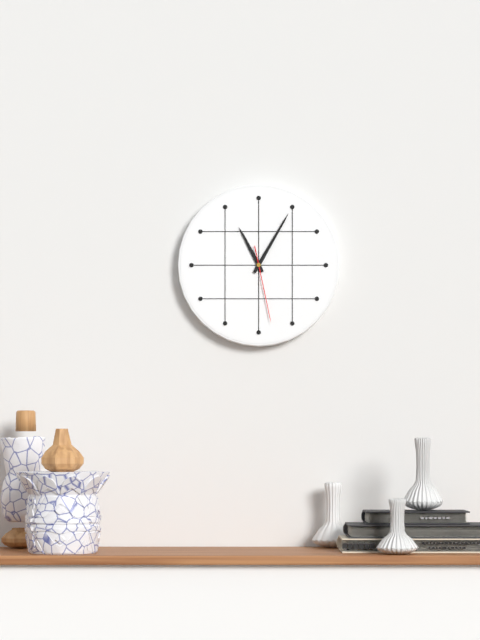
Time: {"hour": 11, "minute": 5, "second": 28}
